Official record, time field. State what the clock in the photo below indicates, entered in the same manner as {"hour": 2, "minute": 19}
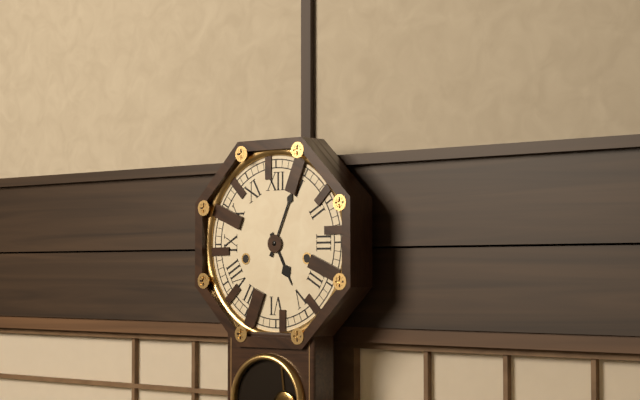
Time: {"hour": 5, "minute": 4}
